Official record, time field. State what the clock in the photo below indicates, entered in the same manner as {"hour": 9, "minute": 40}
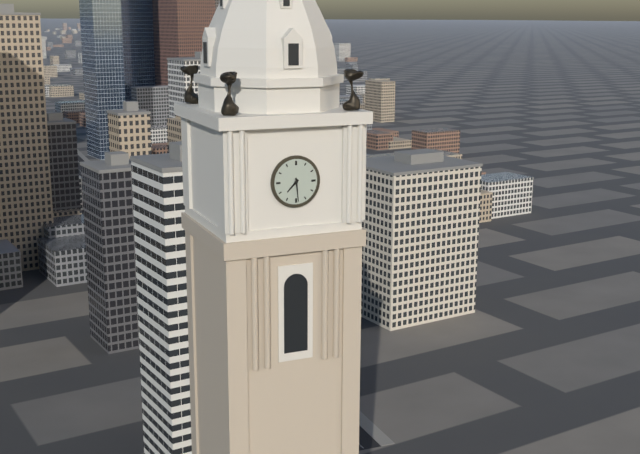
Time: {"hour": 7, "minute": 29}
